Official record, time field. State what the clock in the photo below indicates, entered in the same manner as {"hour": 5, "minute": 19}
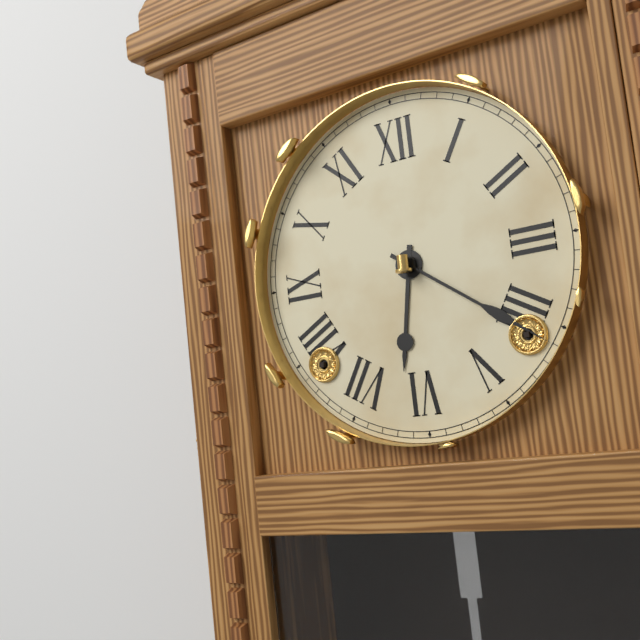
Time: {"hour": 6, "minute": 21}
